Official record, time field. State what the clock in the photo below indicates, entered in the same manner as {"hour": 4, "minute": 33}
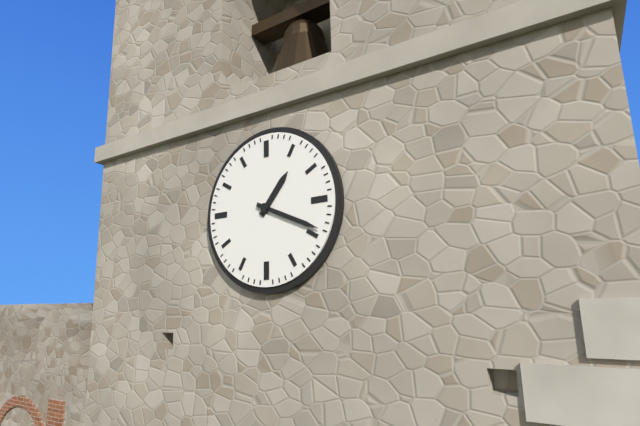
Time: {"hour": 1, "minute": 19}
